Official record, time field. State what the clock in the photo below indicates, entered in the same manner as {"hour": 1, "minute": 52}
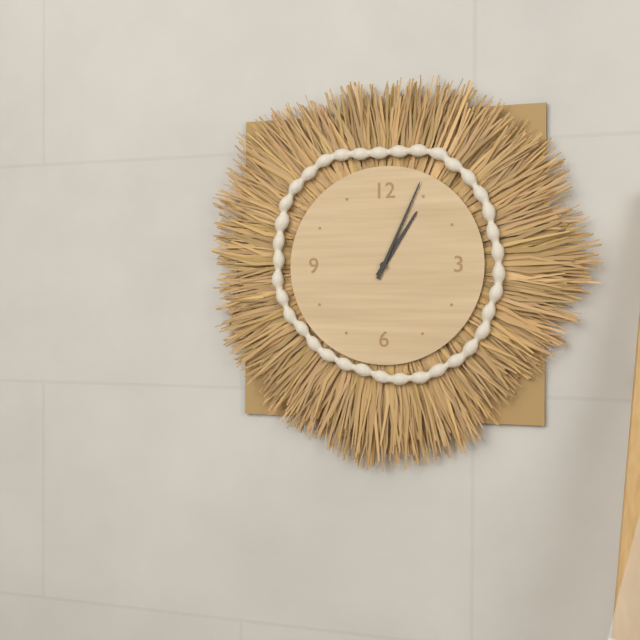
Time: {"hour": 1, "minute": 4}
